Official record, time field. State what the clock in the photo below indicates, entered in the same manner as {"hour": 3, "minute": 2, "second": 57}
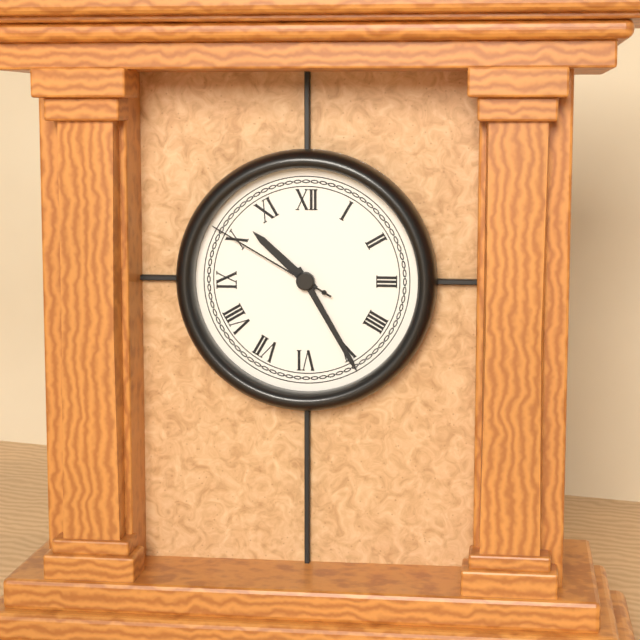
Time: {"hour": 10, "minute": 25, "second": 50}
